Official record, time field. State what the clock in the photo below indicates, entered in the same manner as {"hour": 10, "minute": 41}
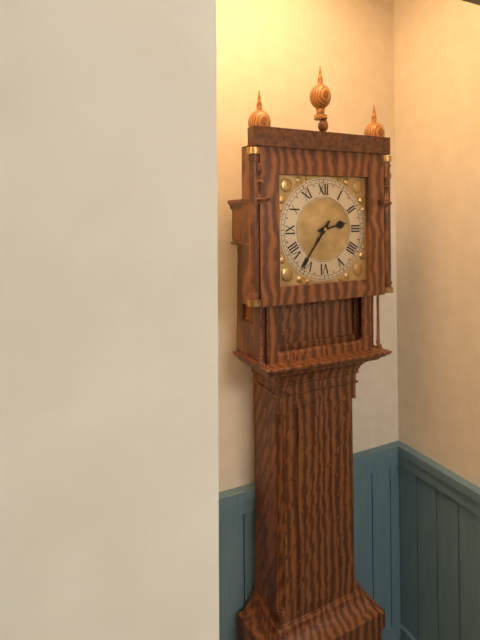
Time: {"hour": 2, "minute": 36}
